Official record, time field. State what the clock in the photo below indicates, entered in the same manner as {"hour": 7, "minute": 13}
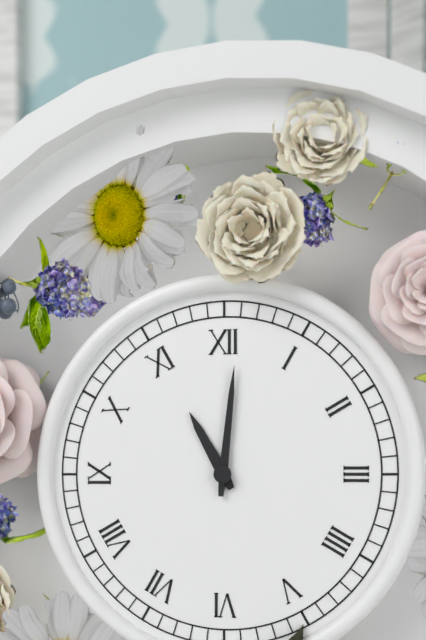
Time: {"hour": 11, "minute": 1}
